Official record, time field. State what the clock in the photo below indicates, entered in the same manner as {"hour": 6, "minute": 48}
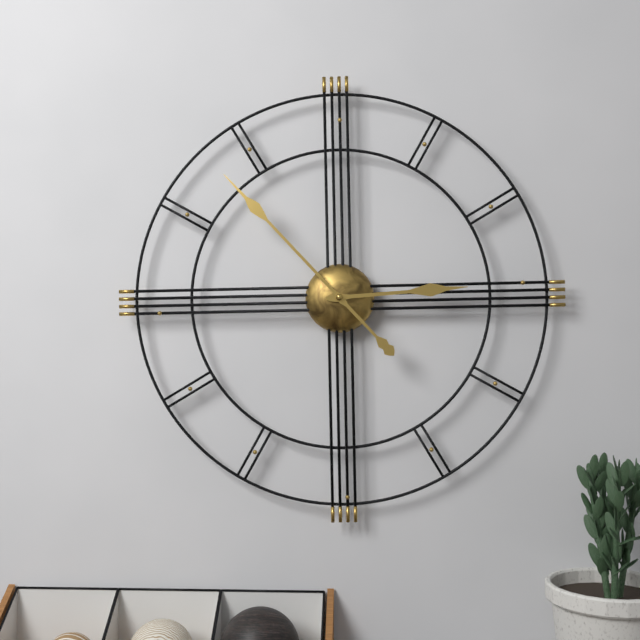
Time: {"hour": 2, "minute": 53}
